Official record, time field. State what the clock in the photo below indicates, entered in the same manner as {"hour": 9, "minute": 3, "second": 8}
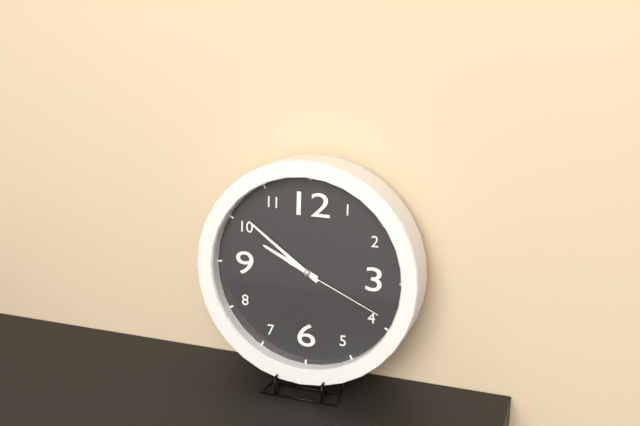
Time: {"hour": 9, "minute": 51, "second": 19}
